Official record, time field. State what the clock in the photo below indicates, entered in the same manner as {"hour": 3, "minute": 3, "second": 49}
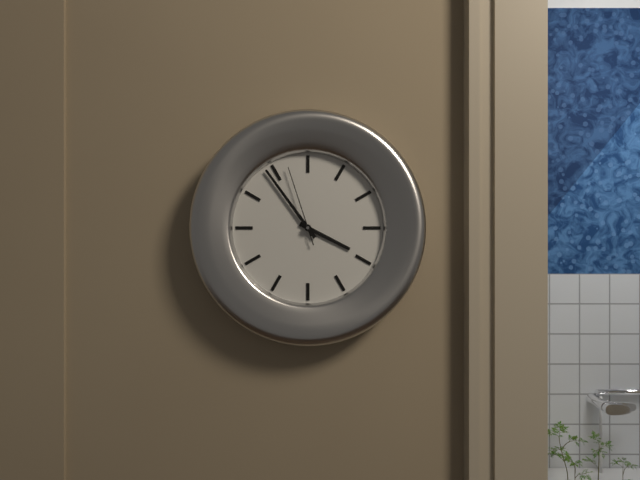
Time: {"hour": 3, "minute": 54, "second": 57}
